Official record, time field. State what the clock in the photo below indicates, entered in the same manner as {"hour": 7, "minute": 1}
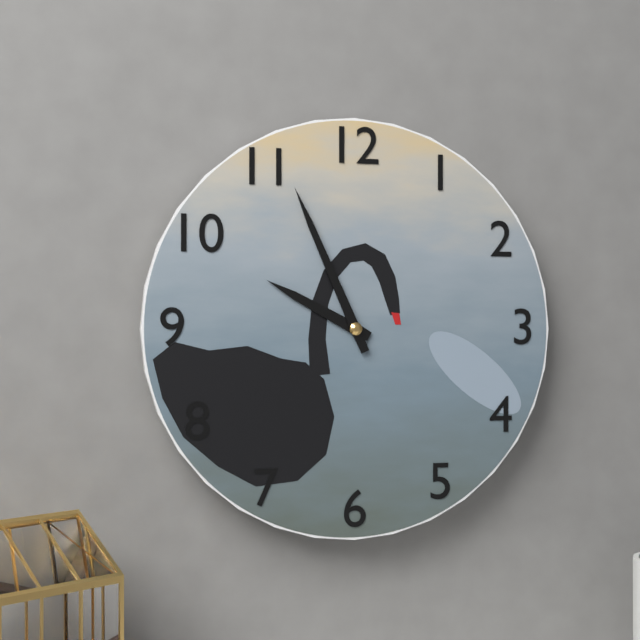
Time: {"hour": 9, "minute": 56}
